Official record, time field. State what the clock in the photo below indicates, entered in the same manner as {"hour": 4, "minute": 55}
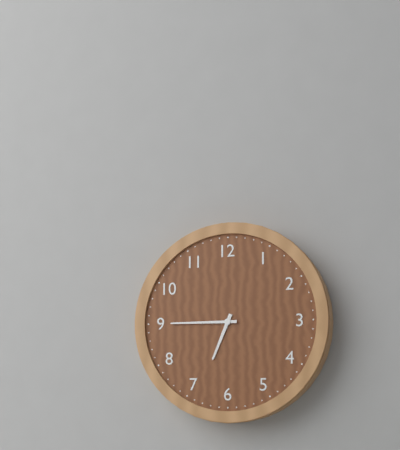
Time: {"hour": 6, "minute": 45}
